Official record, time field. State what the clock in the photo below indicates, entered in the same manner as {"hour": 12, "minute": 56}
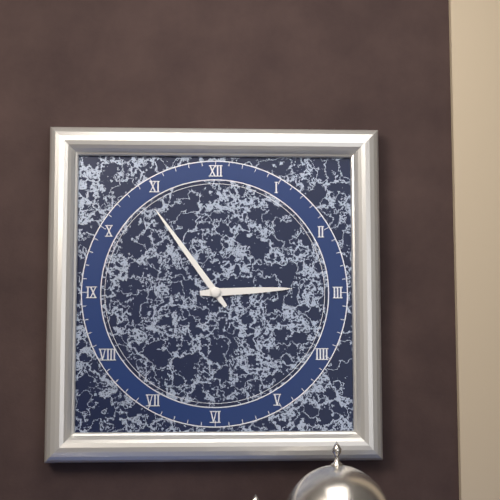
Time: {"hour": 2, "minute": 54}
